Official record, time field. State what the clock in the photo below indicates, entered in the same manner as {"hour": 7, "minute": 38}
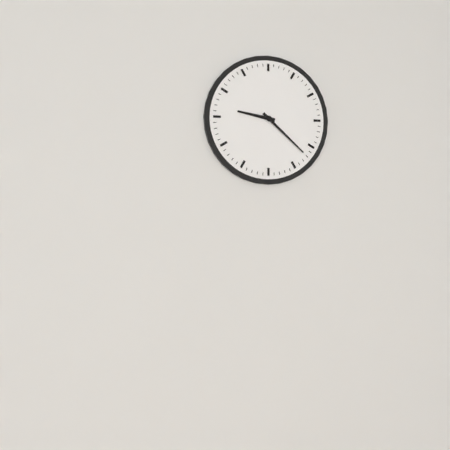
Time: {"hour": 9, "minute": 22}
